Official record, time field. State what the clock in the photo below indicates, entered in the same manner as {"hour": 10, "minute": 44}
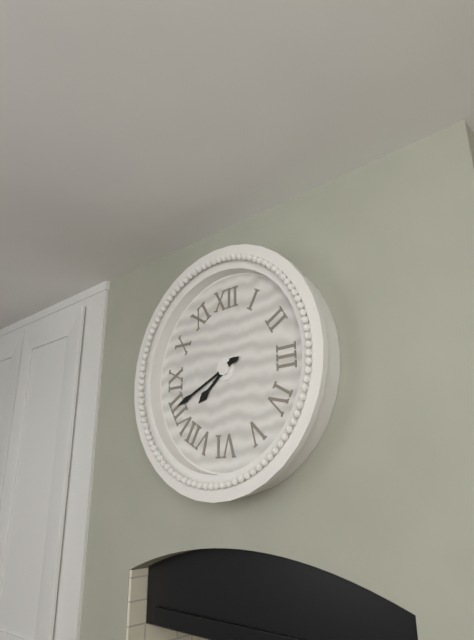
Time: {"hour": 7, "minute": 41}
